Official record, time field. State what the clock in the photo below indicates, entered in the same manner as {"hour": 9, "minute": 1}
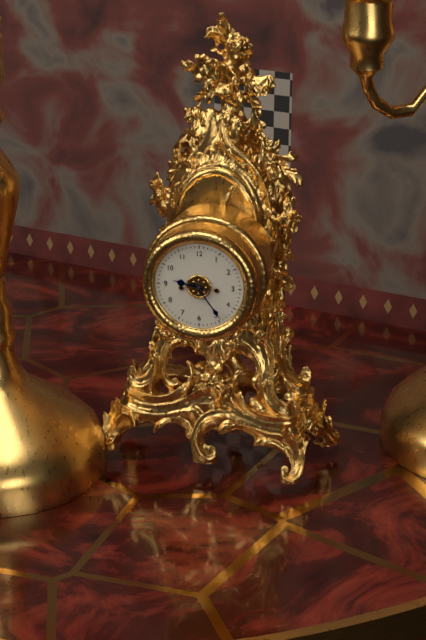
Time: {"hour": 9, "minute": 24}
